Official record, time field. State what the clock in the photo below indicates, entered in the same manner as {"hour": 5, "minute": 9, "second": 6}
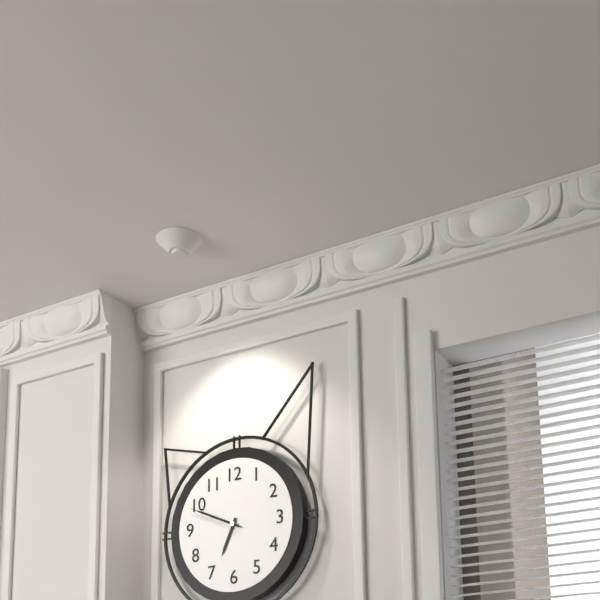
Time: {"hour": 6, "minute": 49, "second": 49}
